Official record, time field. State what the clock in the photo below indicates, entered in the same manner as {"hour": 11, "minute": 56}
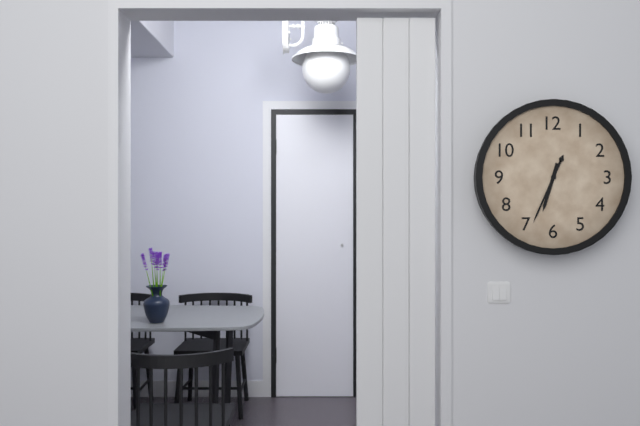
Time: {"hour": 6, "minute": 34}
